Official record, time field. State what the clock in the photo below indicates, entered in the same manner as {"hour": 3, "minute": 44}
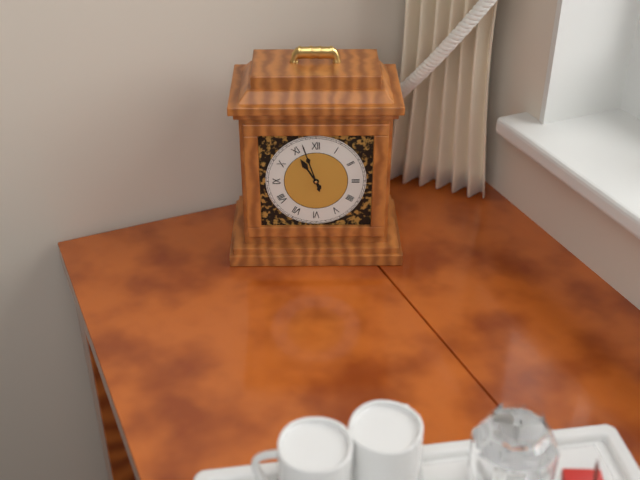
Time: {"hour": 10, "minute": 57}
